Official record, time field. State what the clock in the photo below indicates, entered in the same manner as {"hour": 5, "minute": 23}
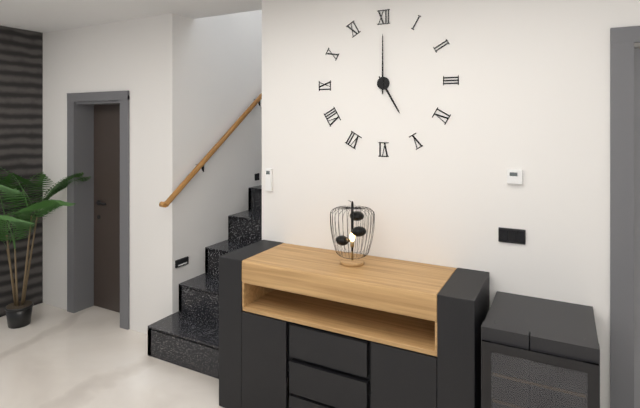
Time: {"hour": 5, "minute": 0}
